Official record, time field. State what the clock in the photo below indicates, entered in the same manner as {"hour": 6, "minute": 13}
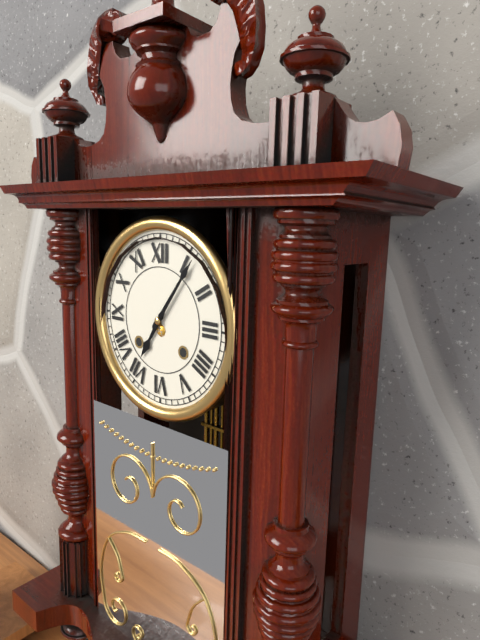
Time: {"hour": 7, "minute": 6}
